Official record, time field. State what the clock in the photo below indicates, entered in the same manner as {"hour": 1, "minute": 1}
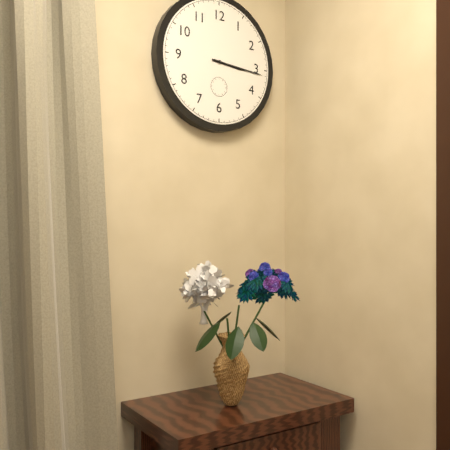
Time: {"hour": 3, "minute": 16}
